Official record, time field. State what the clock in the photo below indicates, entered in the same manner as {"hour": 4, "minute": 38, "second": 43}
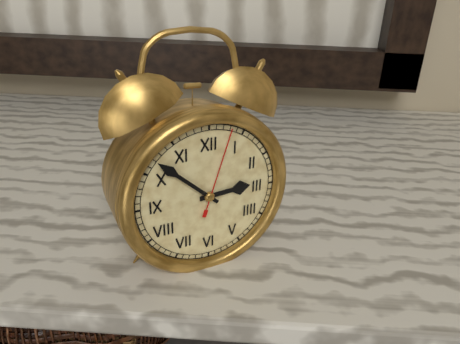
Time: {"hour": 2, "minute": 52, "second": 3}
